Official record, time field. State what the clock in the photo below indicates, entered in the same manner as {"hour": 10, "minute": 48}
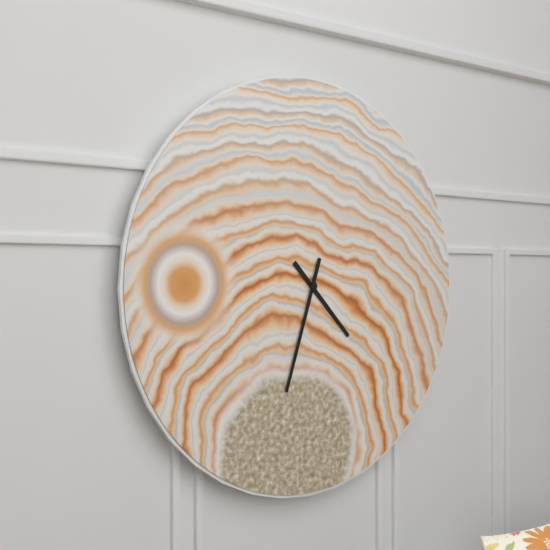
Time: {"hour": 4, "minute": 33}
